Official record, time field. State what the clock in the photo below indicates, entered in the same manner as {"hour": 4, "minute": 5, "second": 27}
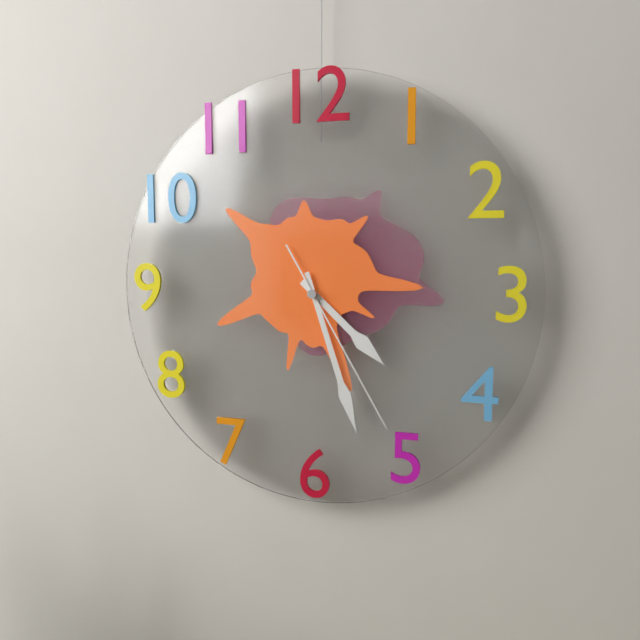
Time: {"hour": 4, "minute": 27, "second": 25}
